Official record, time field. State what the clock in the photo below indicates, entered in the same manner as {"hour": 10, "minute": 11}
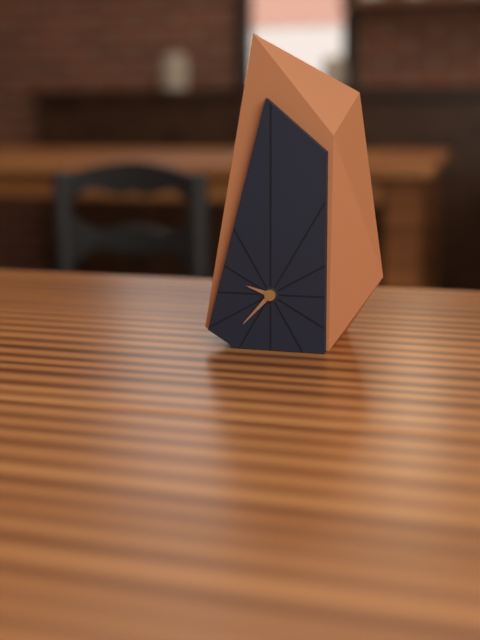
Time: {"hour": 9, "minute": 37}
